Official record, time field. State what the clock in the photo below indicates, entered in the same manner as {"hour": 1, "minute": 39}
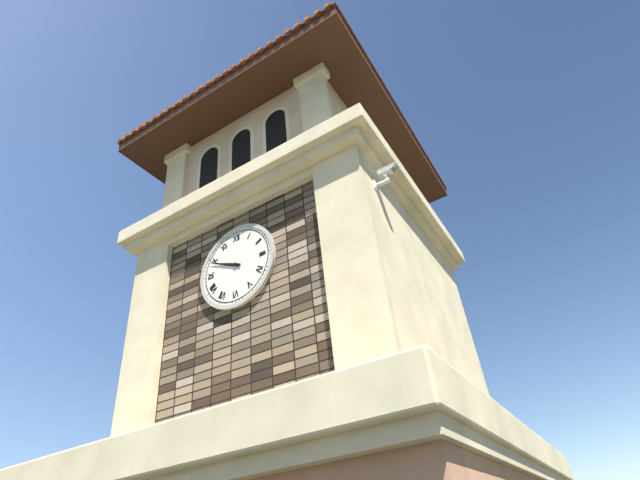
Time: {"hour": 9, "minute": 49}
